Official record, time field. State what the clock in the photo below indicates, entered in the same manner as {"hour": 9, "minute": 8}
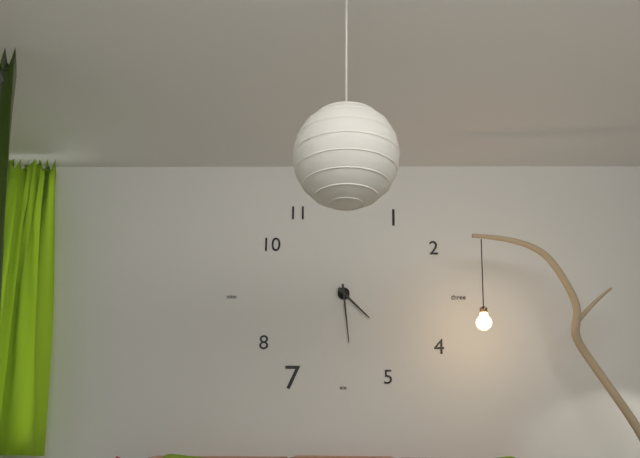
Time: {"hour": 4, "minute": 29}
